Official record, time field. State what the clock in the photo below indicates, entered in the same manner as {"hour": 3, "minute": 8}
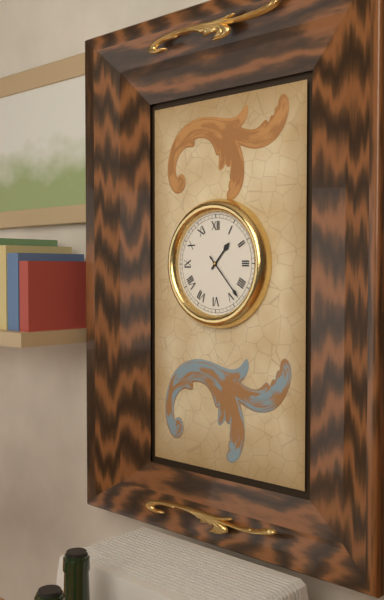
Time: {"hour": 1, "minute": 23}
